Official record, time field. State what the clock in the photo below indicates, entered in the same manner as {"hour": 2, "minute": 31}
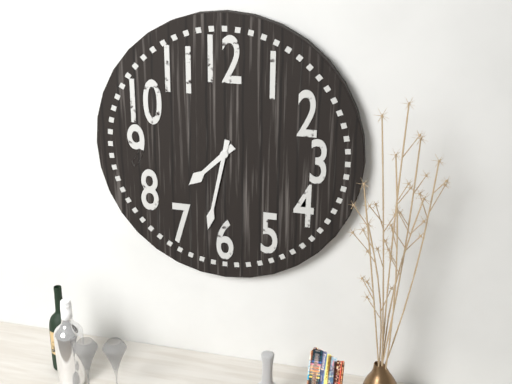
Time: {"hour": 7, "minute": 32}
